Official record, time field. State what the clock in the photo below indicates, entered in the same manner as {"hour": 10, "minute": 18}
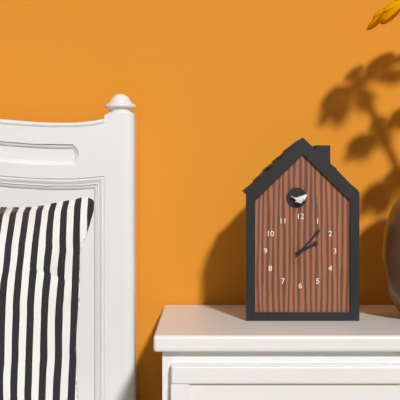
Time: {"hour": 2, "minute": 7}
